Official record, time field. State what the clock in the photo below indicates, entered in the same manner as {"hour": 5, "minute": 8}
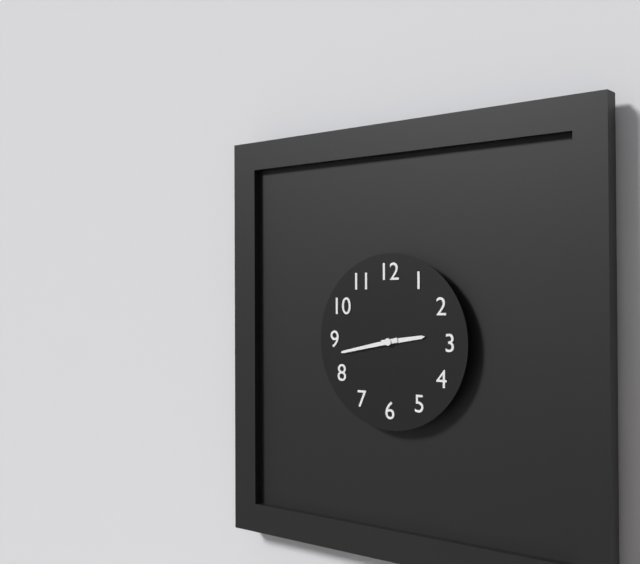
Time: {"hour": 2, "minute": 43}
